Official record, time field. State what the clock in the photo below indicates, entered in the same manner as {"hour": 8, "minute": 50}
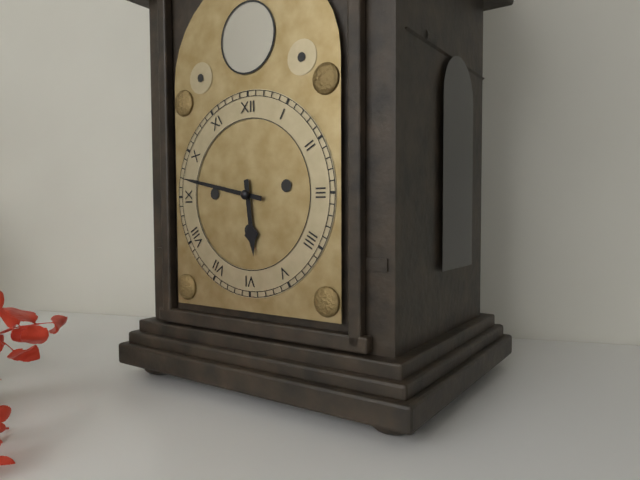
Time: {"hour": 5, "minute": 47}
